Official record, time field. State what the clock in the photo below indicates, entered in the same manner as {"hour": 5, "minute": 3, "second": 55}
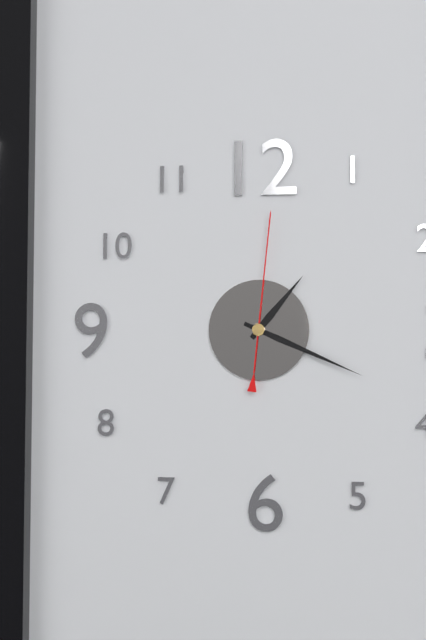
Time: {"hour": 1, "minute": 19, "second": 1}
